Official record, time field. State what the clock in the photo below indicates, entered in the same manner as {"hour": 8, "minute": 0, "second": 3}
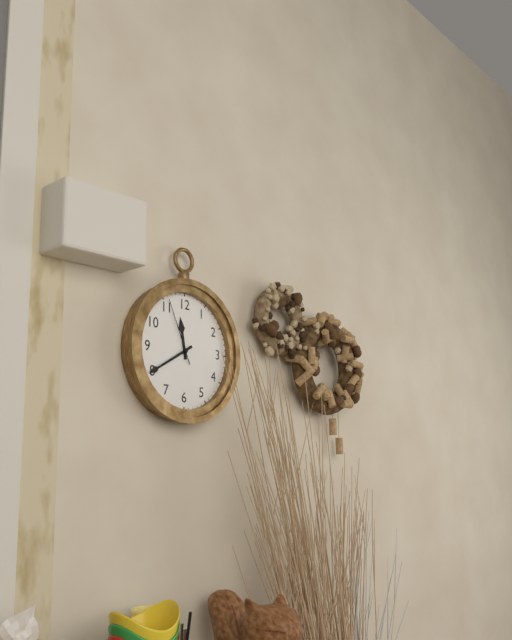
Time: {"hour": 11, "minute": 40, "second": 56}
